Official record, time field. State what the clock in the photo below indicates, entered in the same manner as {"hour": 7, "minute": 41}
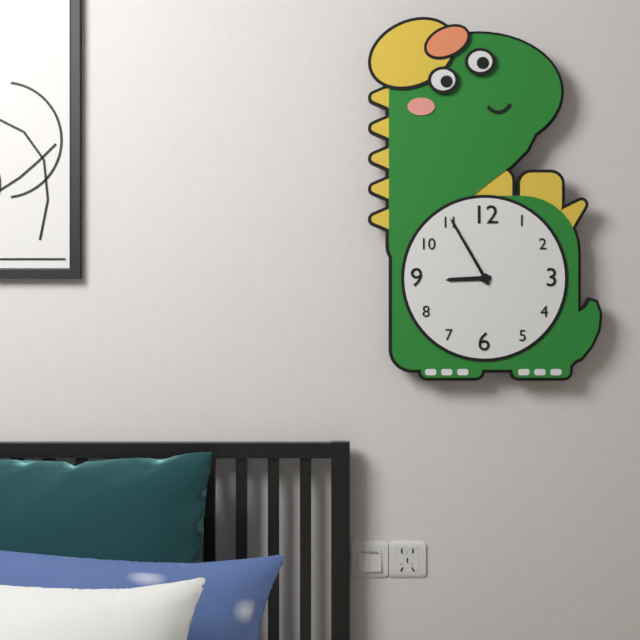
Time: {"hour": 8, "minute": 55}
